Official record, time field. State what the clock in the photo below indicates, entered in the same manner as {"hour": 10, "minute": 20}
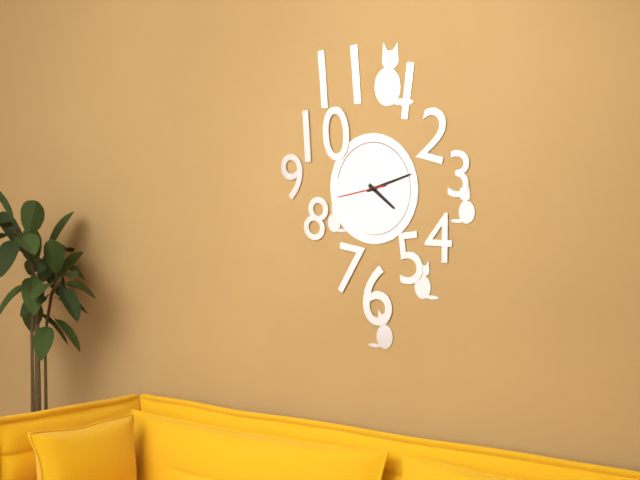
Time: {"hour": 4, "minute": 12}
